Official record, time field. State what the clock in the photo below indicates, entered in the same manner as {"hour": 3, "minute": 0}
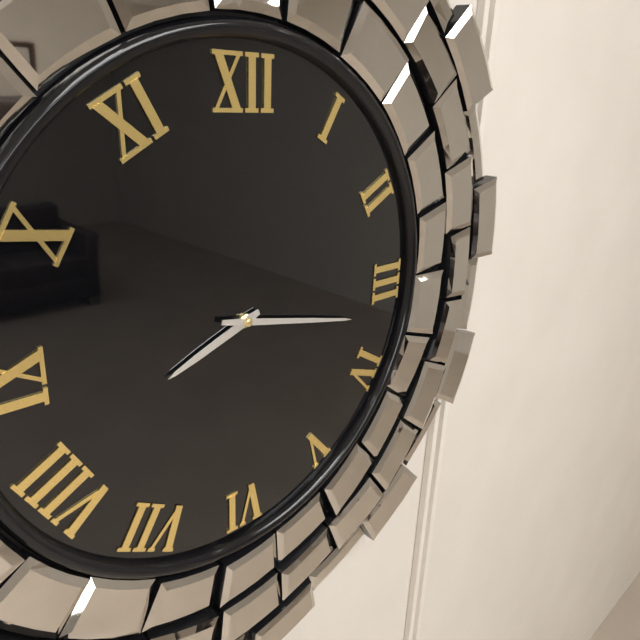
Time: {"hour": 8, "minute": 17}
